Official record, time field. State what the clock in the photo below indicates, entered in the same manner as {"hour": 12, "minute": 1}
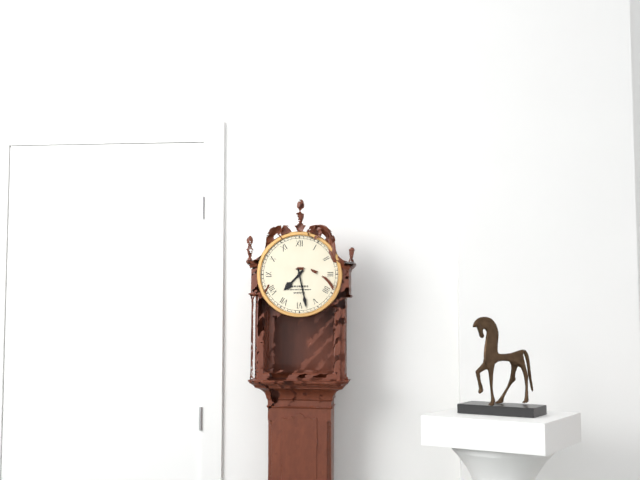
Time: {"hour": 7, "minute": 28}
